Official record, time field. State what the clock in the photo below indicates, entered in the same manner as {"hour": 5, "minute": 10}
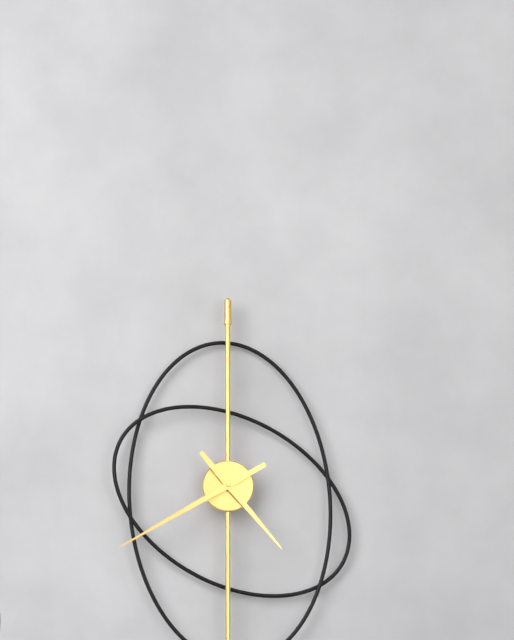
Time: {"hour": 4, "minute": 40}
